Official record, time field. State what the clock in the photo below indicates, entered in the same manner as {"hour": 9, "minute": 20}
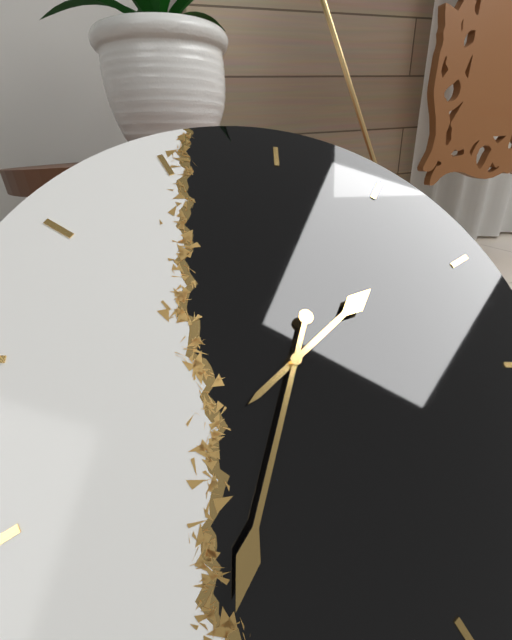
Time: {"hour": 2, "minute": 38}
